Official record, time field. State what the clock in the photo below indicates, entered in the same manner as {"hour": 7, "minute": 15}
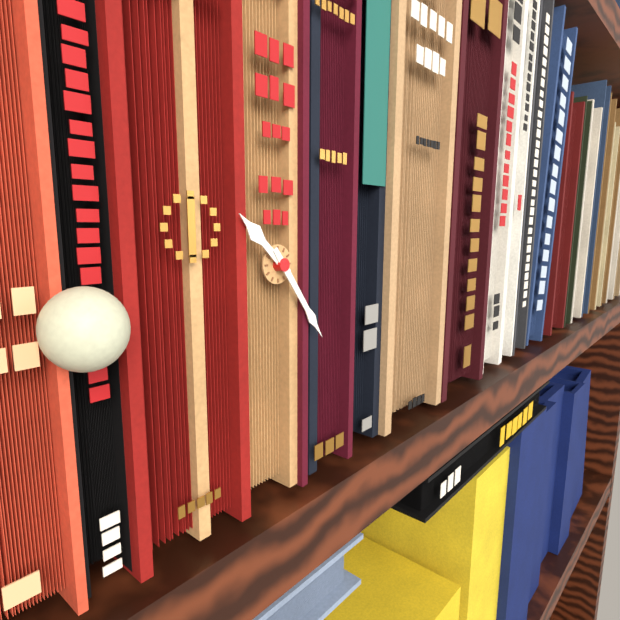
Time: {"hour": 10, "minute": 24}
